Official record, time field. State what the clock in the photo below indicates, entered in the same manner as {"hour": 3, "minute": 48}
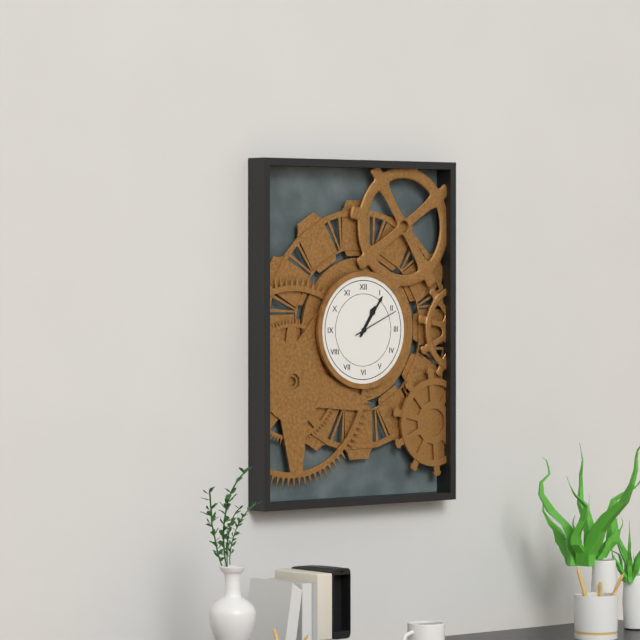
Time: {"hour": 1, "minute": 6}
